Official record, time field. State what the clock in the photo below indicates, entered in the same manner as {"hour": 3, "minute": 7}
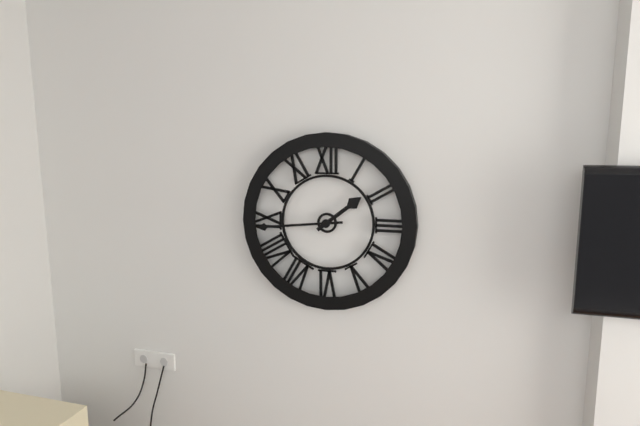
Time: {"hour": 1, "minute": 44}
